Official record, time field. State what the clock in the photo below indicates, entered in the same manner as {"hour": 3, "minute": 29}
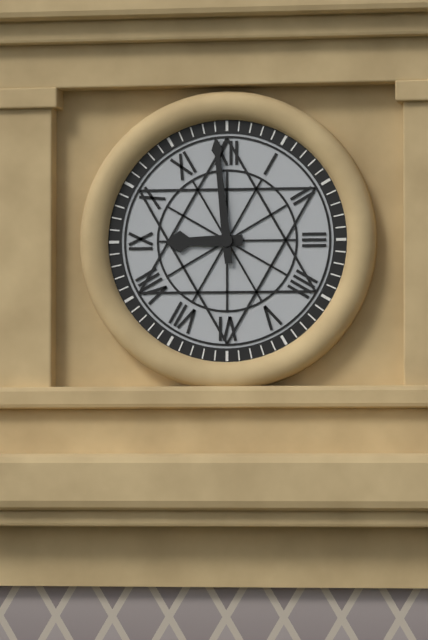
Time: {"hour": 8, "minute": 59}
